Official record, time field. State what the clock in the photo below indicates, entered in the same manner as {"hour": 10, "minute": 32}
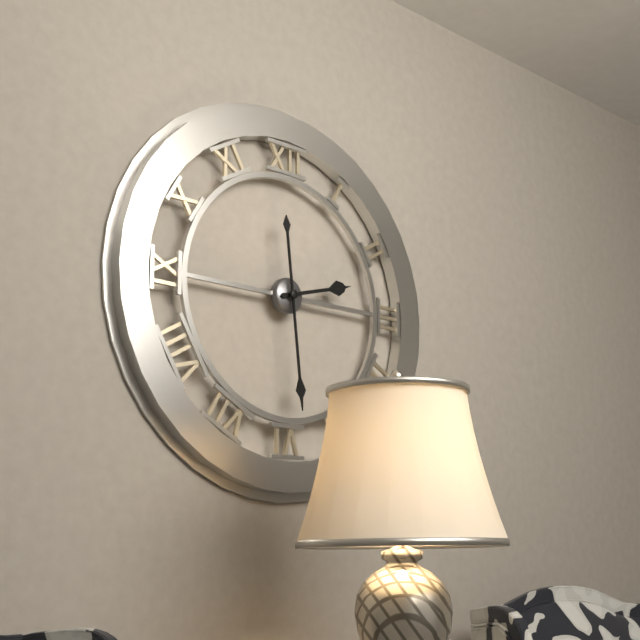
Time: {"hour": 2, "minute": 29}
